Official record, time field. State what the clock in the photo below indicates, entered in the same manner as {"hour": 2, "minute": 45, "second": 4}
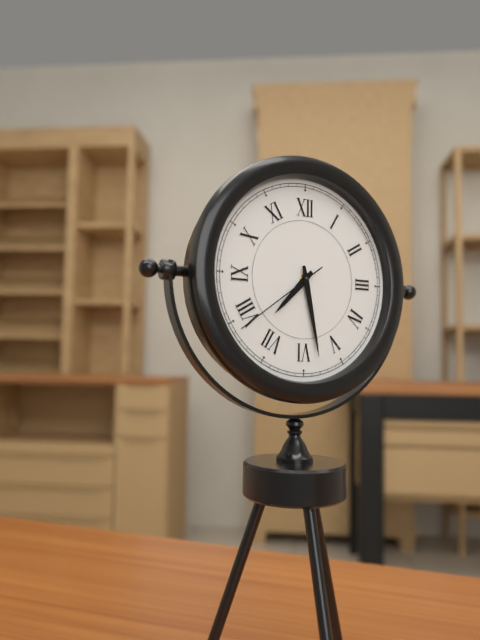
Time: {"hour": 7, "minute": 28, "second": 39}
